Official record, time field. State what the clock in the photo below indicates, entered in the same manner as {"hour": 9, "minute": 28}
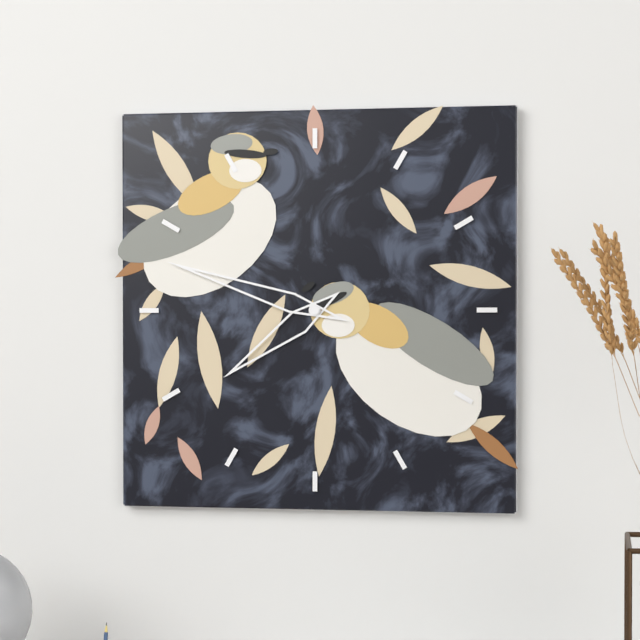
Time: {"hour": 7, "minute": 48}
